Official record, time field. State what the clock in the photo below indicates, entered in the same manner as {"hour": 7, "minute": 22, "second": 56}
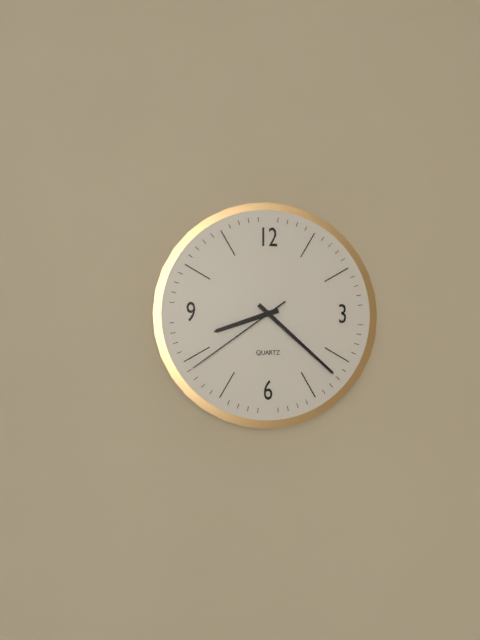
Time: {"hour": 8, "minute": 22, "second": 39}
